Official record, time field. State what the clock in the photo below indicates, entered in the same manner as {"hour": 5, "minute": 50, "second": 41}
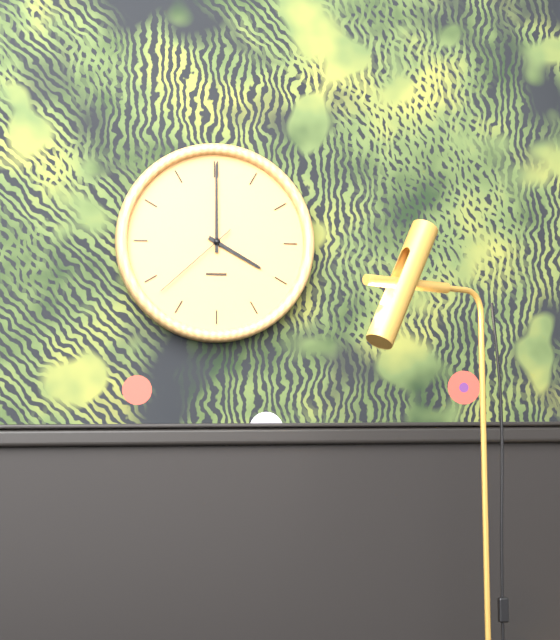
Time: {"hour": 4, "minute": 0, "second": 38}
